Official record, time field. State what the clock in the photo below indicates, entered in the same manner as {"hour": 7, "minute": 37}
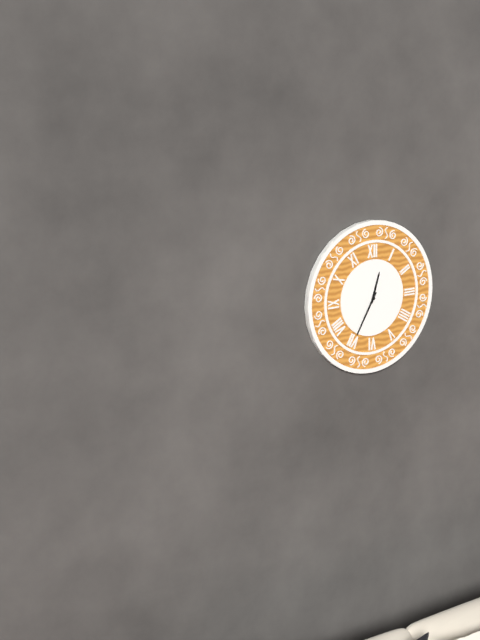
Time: {"hour": 12, "minute": 35}
